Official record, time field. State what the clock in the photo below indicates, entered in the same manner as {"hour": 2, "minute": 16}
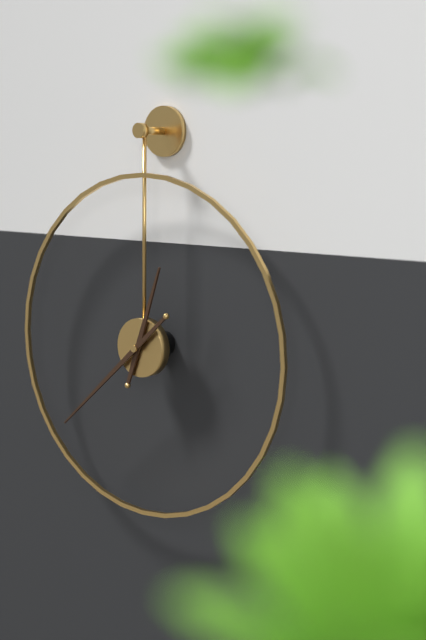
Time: {"hour": 12, "minute": 38}
